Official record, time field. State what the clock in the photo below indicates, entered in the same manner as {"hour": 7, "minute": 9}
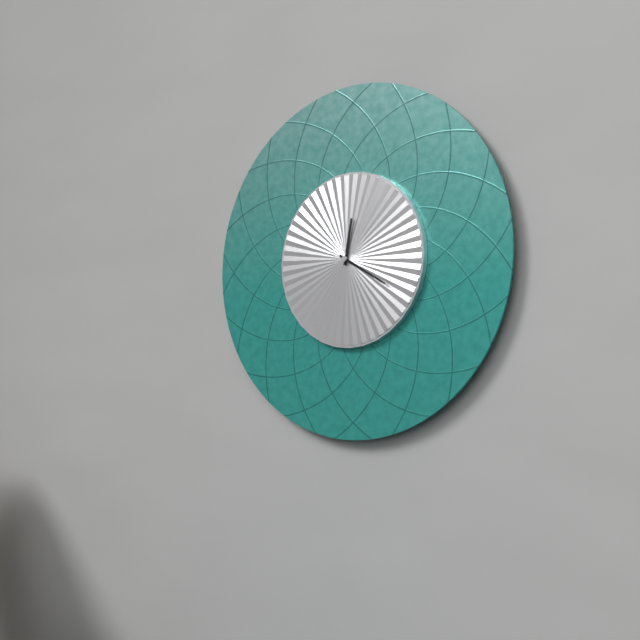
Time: {"hour": 12, "minute": 20}
